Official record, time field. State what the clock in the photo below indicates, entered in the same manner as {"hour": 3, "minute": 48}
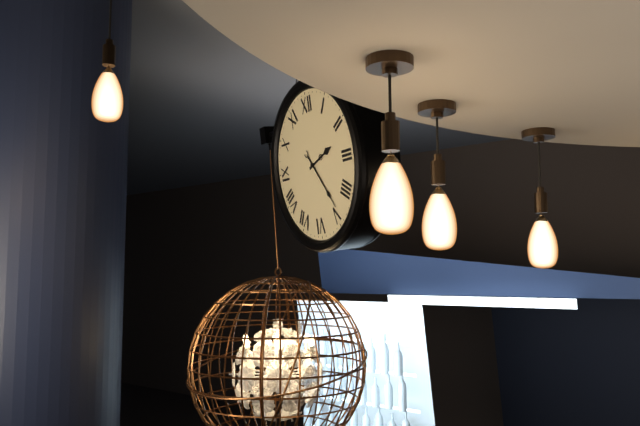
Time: {"hour": 2, "minute": 24}
